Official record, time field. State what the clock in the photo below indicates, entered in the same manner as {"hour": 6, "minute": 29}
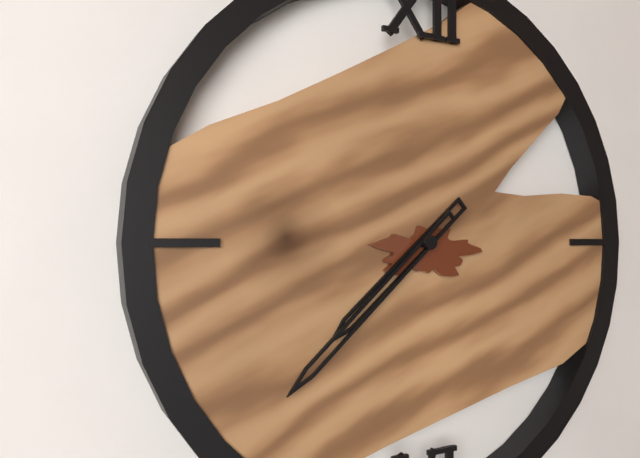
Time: {"hour": 7, "minute": 38}
